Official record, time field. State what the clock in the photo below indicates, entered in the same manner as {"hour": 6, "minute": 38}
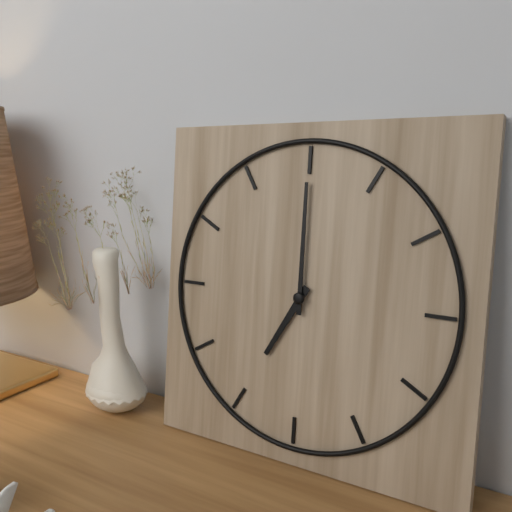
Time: {"hour": 7, "minute": 0}
